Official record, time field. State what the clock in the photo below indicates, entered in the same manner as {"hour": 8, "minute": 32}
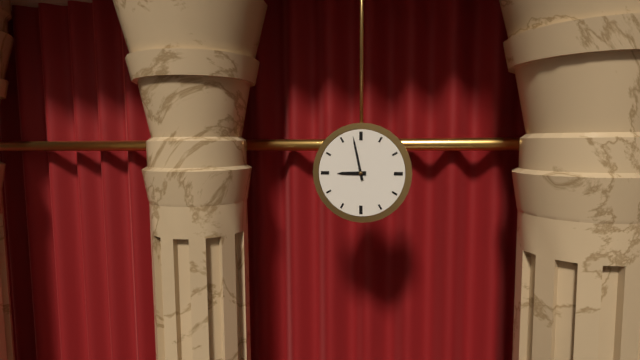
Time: {"hour": 8, "minute": 58}
